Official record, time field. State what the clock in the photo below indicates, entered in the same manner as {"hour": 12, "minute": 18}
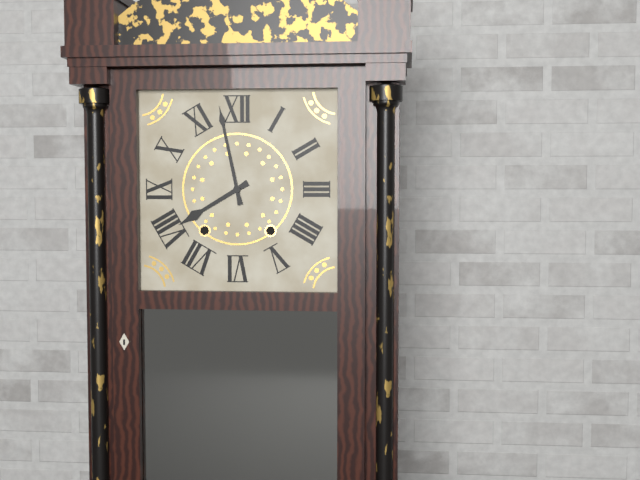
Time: {"hour": 7, "minute": 58}
